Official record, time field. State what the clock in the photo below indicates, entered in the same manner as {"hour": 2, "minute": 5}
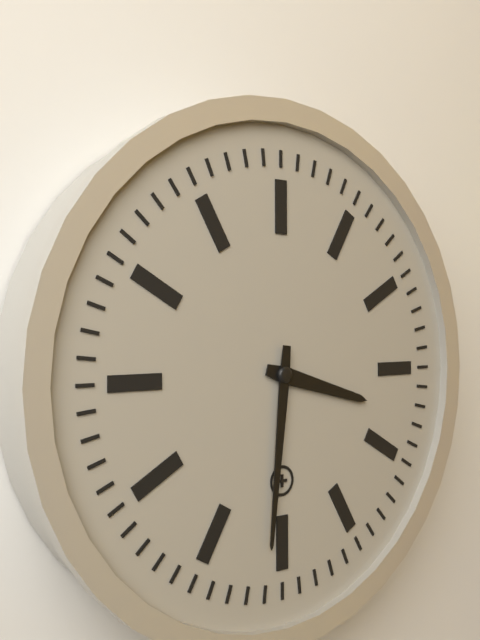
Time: {"hour": 3, "minute": 31}
